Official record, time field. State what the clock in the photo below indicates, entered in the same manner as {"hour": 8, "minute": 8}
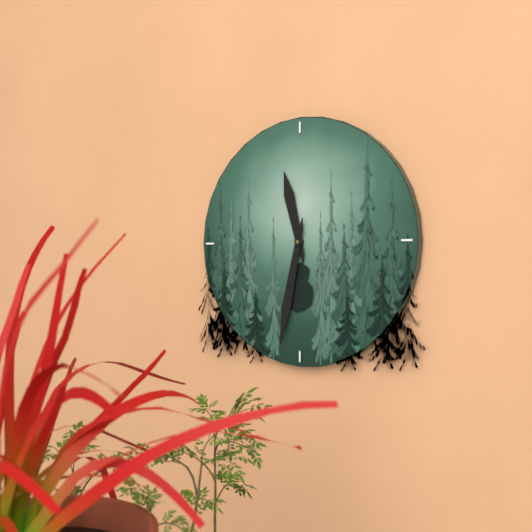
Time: {"hour": 11, "minute": 32}
